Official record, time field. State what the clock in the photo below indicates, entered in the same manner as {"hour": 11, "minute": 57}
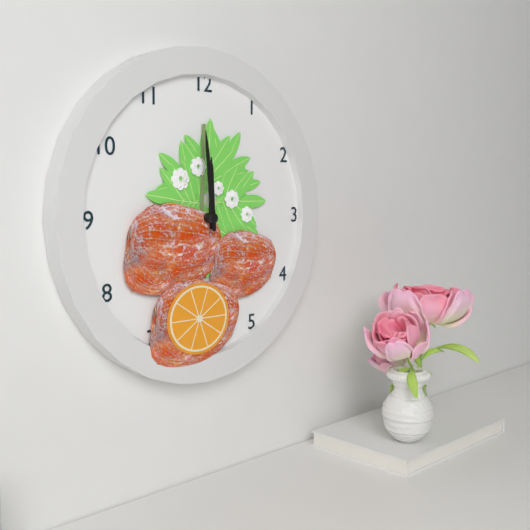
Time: {"hour": 11, "minute": 59}
